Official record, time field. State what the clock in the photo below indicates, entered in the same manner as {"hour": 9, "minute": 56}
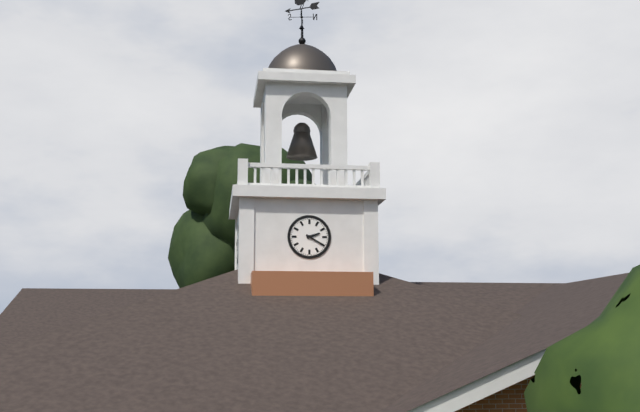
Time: {"hour": 2, "minute": 20}
